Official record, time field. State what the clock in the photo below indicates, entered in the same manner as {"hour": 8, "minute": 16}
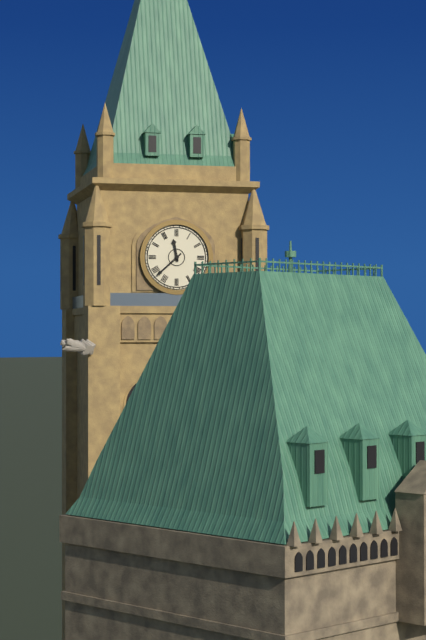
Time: {"hour": 11, "minute": 38}
